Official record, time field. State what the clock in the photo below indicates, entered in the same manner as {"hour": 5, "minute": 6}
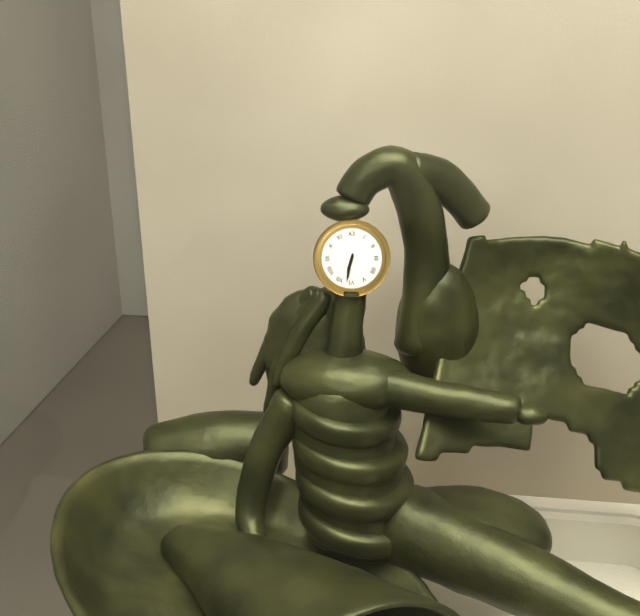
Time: {"hour": 6, "minute": 32}
